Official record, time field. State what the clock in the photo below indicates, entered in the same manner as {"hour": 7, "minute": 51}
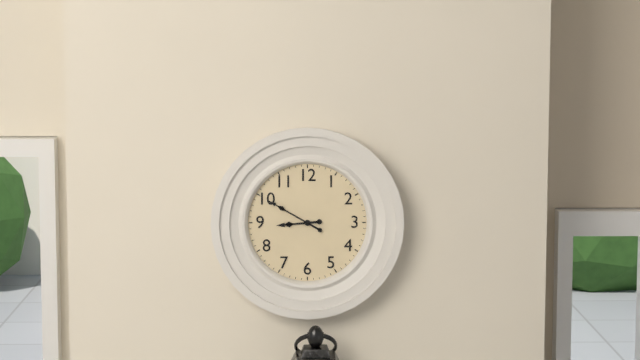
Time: {"hour": 8, "minute": 50}
